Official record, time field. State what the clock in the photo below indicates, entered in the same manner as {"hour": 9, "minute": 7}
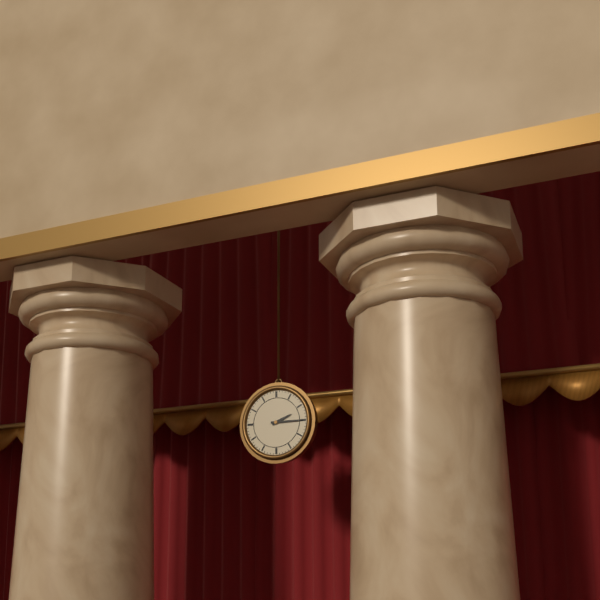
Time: {"hour": 2, "minute": 15}
